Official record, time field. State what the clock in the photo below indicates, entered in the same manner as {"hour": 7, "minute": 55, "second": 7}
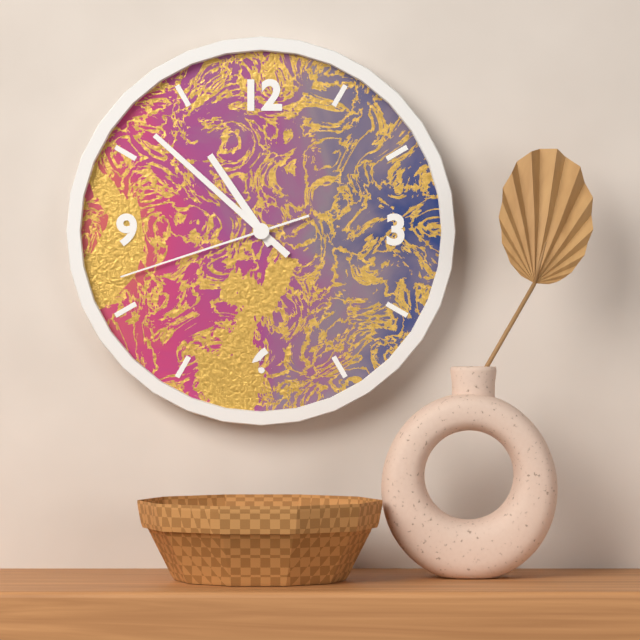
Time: {"hour": 10, "minute": 52, "second": 42}
